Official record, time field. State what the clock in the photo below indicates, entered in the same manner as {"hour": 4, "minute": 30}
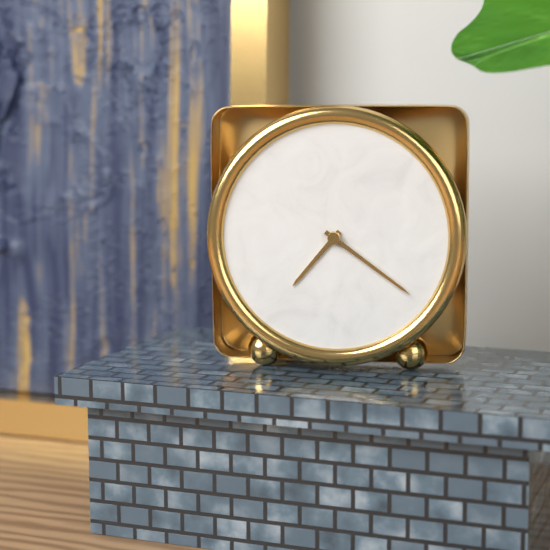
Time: {"hour": 7, "minute": 21}
